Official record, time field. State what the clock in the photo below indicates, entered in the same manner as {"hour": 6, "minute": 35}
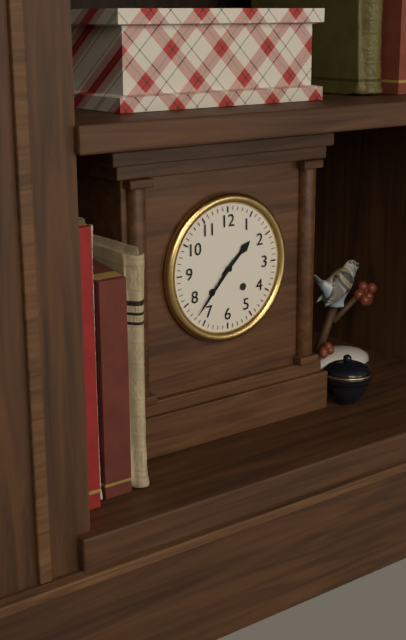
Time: {"hour": 1, "minute": 37}
